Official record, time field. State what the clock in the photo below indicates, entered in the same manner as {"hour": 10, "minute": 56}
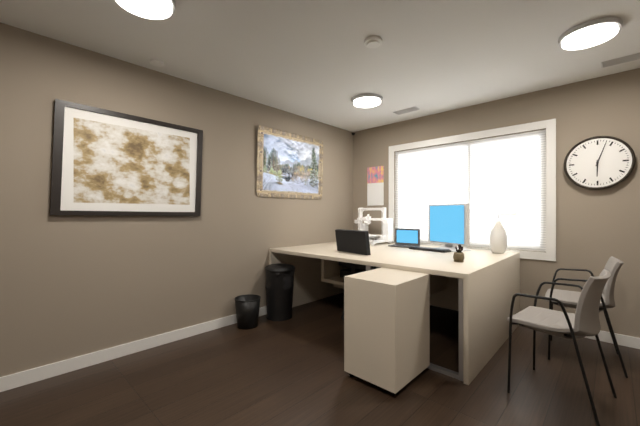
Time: {"hour": 6, "minute": 3}
